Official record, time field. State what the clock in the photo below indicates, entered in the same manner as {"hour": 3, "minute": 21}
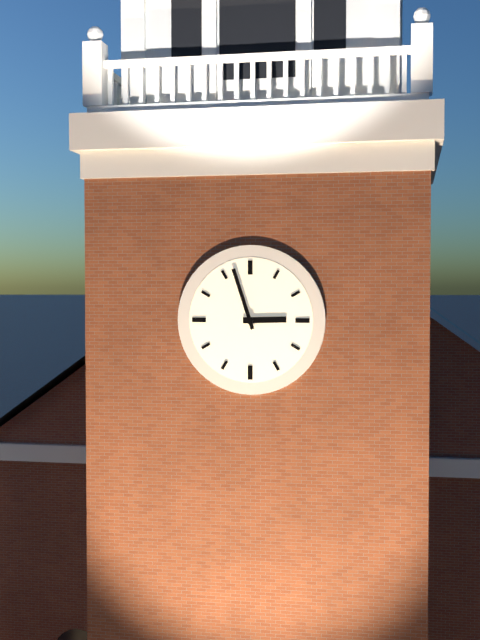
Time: {"hour": 2, "minute": 57}
